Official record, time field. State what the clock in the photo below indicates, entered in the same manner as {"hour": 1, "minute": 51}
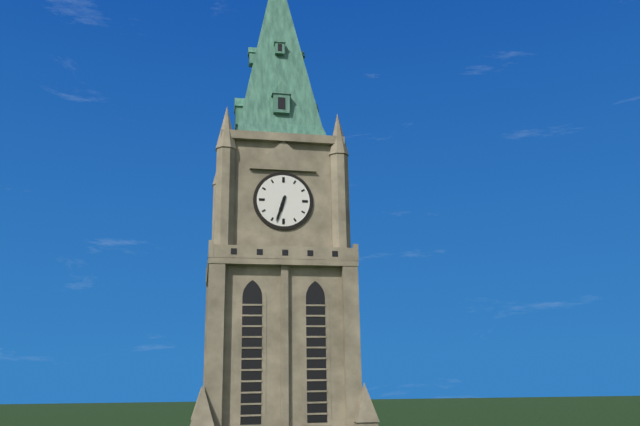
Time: {"hour": 6, "minute": 33}
